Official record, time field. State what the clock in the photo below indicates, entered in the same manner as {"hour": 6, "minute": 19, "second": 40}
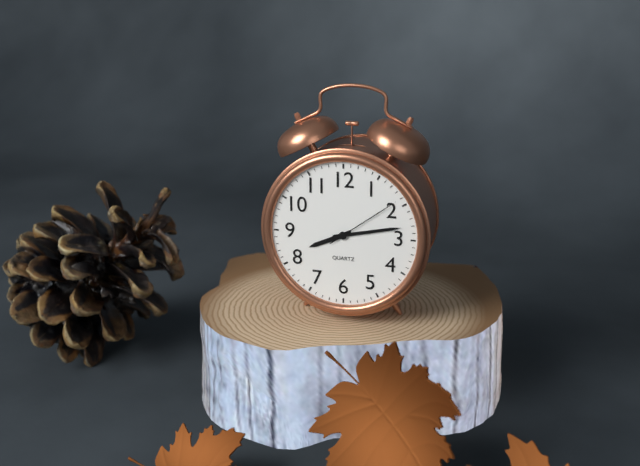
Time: {"hour": 8, "minute": 13, "second": 9}
